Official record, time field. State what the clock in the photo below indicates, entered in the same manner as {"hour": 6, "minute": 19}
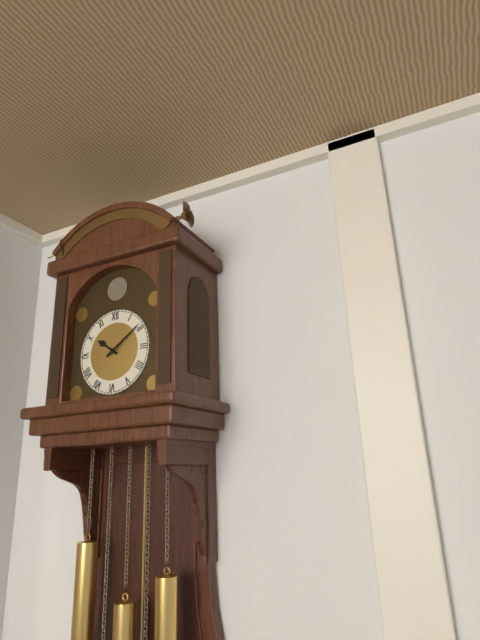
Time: {"hour": 10, "minute": 9}
